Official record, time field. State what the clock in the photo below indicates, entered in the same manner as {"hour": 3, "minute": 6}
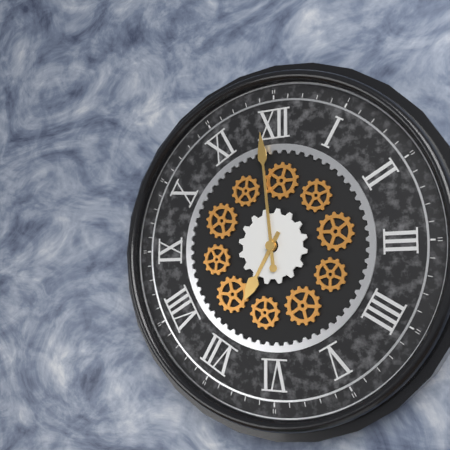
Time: {"hour": 6, "minute": 59}
